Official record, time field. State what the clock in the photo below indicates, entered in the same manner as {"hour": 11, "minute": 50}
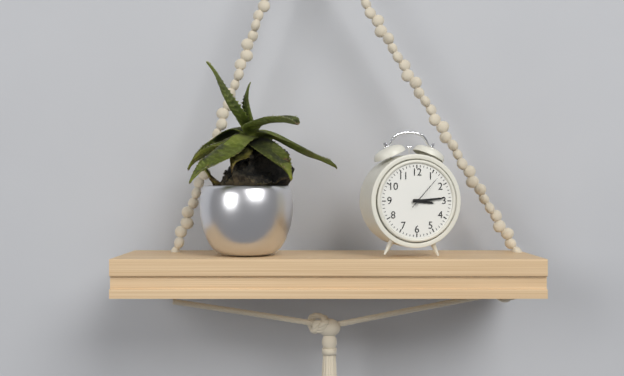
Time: {"hour": 3, "minute": 14}
